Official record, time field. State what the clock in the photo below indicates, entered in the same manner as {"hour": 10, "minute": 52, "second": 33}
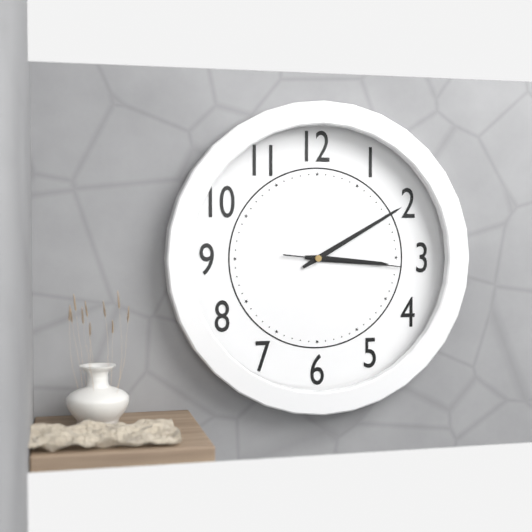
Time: {"hour": 3, "minute": 10, "second": 16}
